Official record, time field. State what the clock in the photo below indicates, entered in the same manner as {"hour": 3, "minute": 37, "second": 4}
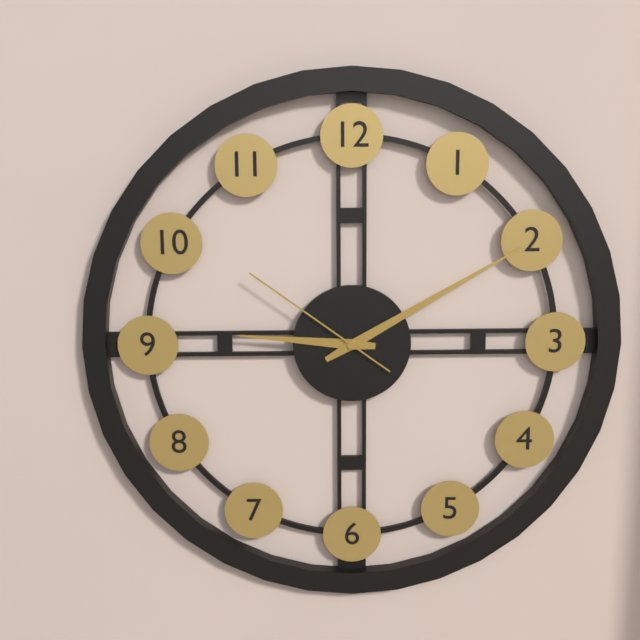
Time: {"hour": 9, "minute": 10, "second": 51}
